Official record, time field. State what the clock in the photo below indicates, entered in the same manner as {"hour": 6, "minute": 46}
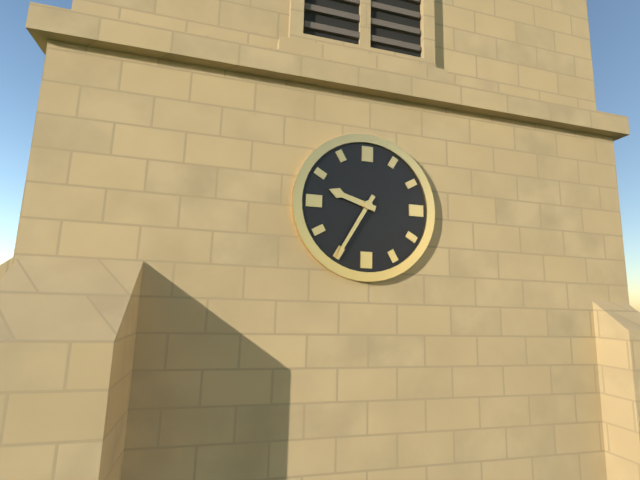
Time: {"hour": 9, "minute": 35}
